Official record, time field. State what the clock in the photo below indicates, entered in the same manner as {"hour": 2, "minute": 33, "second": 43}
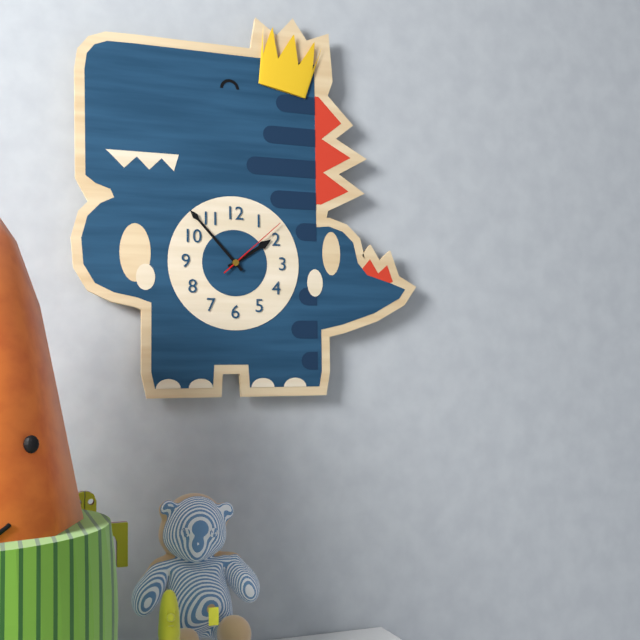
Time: {"hour": 1, "minute": 53, "second": 8}
